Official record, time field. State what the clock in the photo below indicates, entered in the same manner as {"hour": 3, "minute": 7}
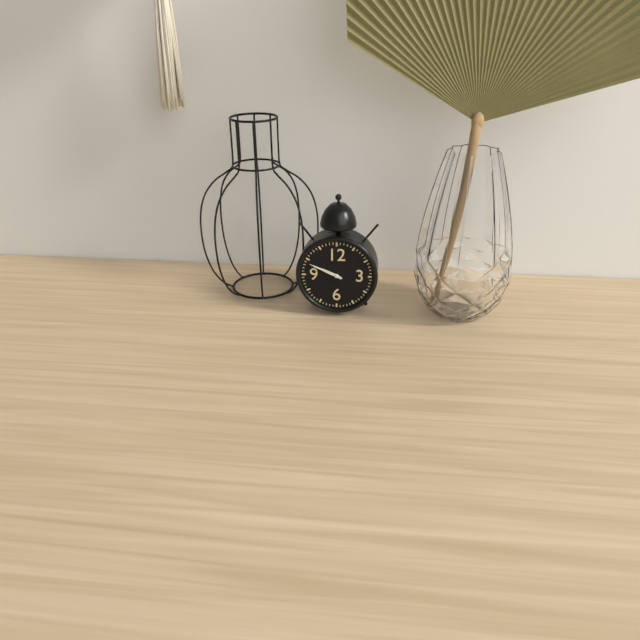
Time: {"hour": 9, "minute": 49}
